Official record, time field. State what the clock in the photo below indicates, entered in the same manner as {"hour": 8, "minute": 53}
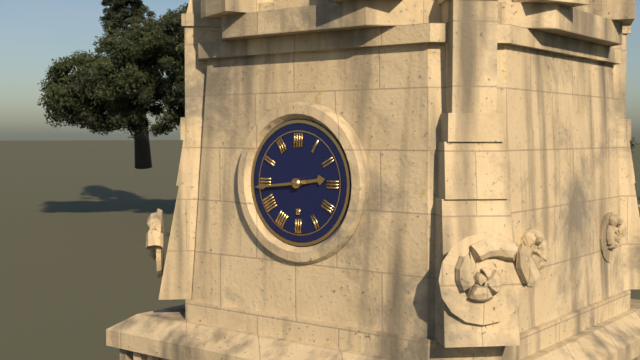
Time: {"hour": 2, "minute": 44}
